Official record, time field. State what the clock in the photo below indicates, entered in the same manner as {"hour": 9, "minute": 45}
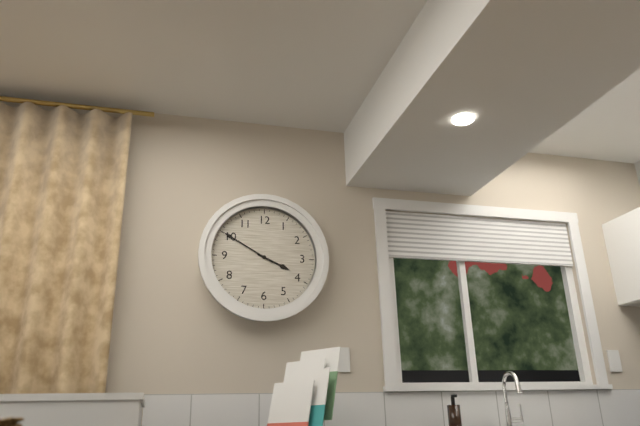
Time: {"hour": 3, "minute": 50}
